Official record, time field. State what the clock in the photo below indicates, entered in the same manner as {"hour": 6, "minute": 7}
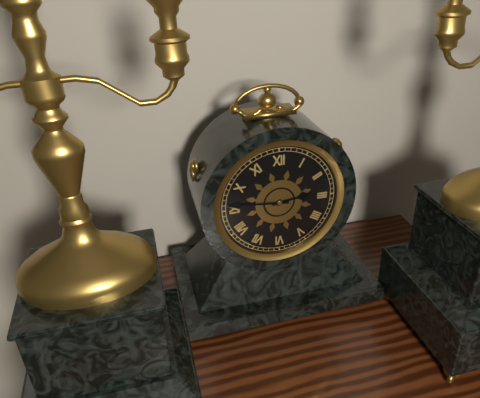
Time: {"hour": 2, "minute": 46}
